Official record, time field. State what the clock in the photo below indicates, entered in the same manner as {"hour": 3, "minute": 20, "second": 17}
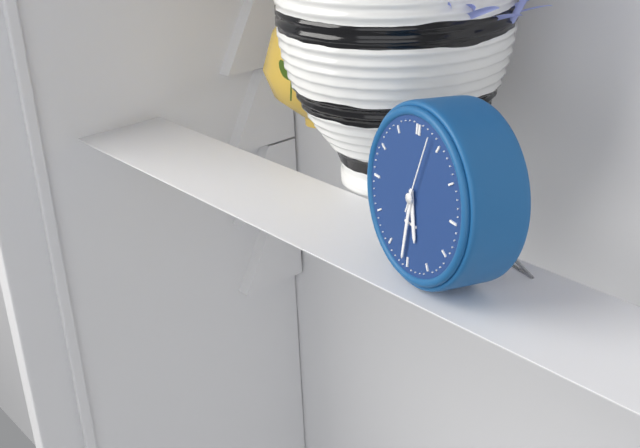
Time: {"hour": 5, "minute": 31, "second": 3}
